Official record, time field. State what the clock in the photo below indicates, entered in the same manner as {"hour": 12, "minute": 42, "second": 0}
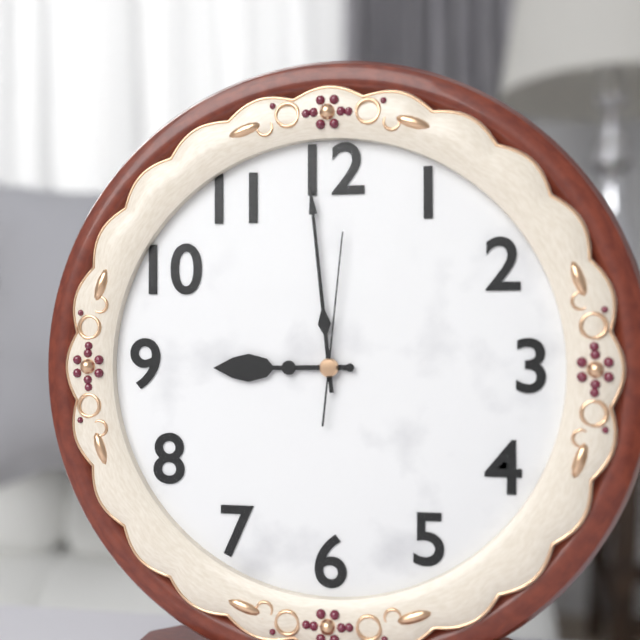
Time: {"hour": 8, "minute": 59, "second": 1}
